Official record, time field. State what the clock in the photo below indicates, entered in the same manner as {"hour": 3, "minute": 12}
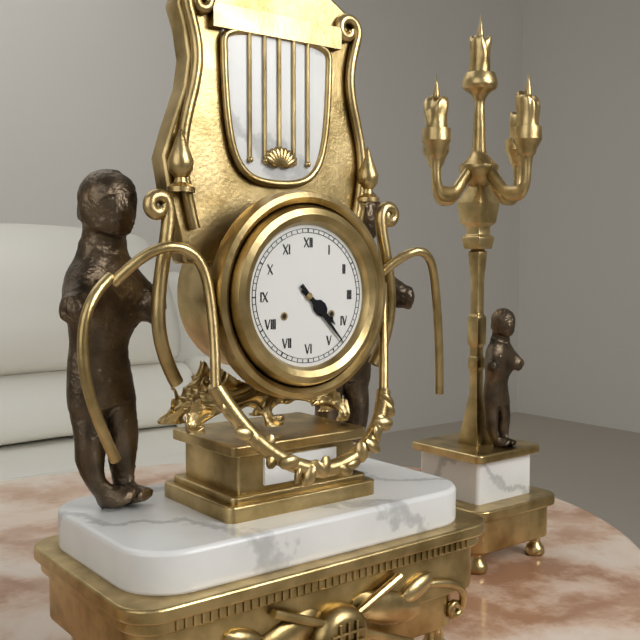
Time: {"hour": 4, "minute": 23}
